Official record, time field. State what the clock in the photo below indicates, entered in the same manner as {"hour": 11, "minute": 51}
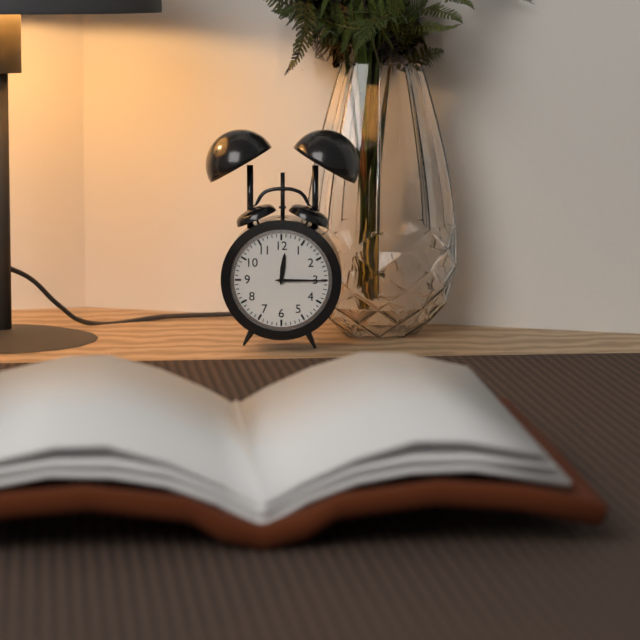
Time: {"hour": 12, "minute": 15}
